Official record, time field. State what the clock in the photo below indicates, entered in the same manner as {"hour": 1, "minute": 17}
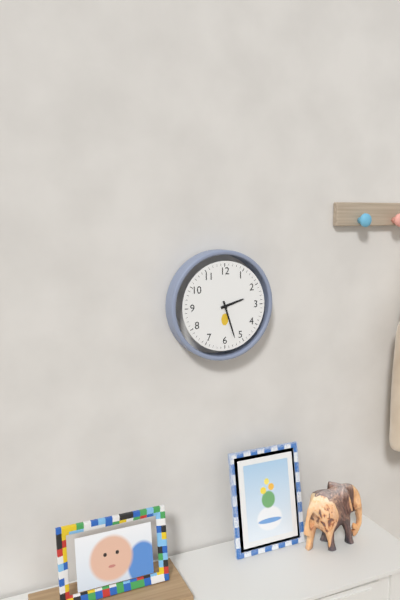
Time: {"hour": 2, "minute": 27}
